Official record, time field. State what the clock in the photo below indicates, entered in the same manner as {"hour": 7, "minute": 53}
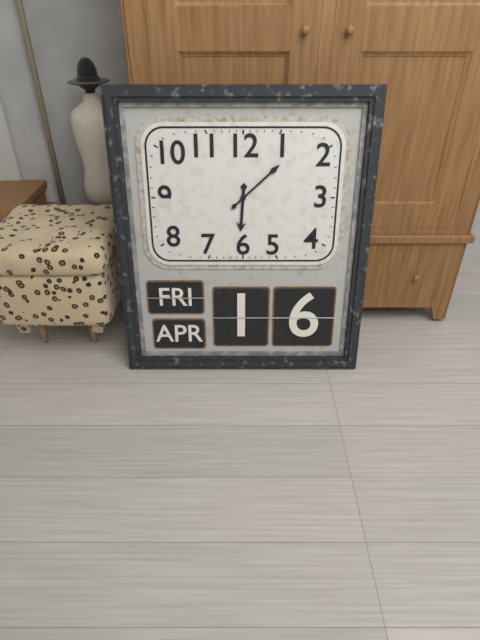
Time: {"hour": 6, "minute": 8}
